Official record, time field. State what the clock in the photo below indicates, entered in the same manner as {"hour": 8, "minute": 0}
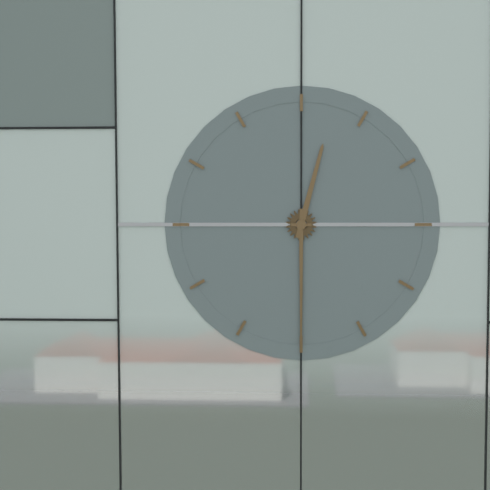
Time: {"hour": 12, "minute": 30}
